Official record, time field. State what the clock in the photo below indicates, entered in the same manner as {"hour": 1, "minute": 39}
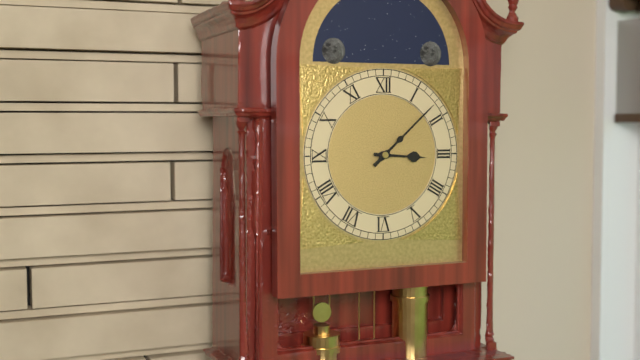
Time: {"hour": 3, "minute": 8}
